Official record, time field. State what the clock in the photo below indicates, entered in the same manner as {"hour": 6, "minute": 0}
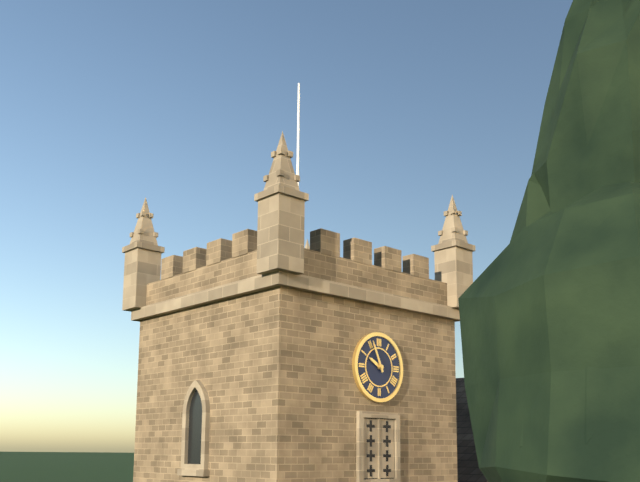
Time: {"hour": 9, "minute": 56}
